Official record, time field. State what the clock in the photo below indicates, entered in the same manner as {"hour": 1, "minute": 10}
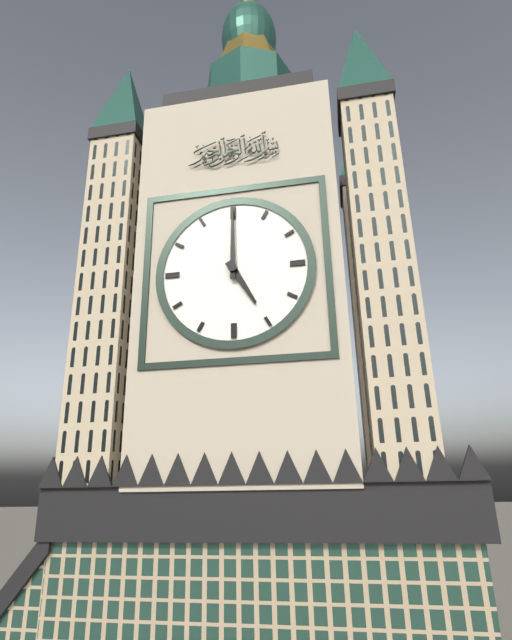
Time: {"hour": 5, "minute": 0}
